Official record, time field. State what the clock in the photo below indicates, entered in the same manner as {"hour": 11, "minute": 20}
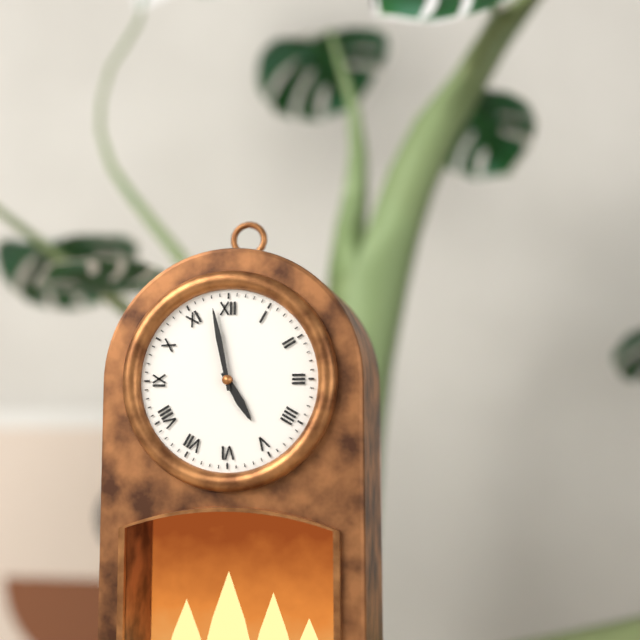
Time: {"hour": 4, "minute": 58}
